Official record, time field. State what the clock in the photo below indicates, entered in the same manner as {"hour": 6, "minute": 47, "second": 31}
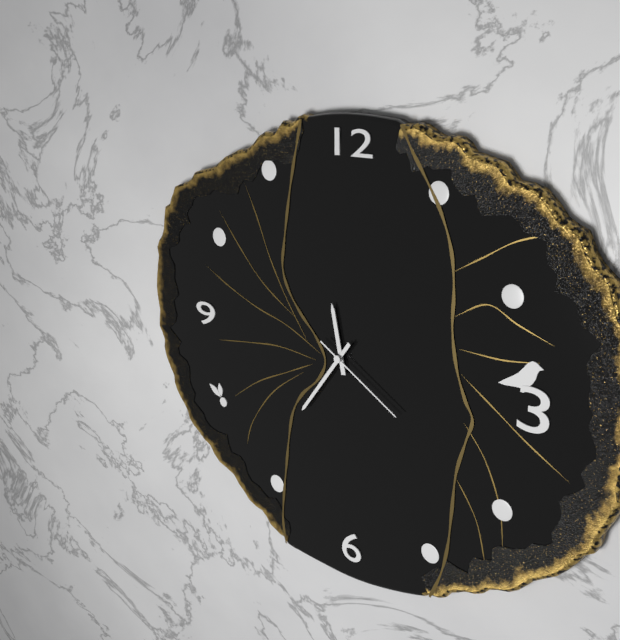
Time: {"hour": 11, "minute": 36, "second": 20}
